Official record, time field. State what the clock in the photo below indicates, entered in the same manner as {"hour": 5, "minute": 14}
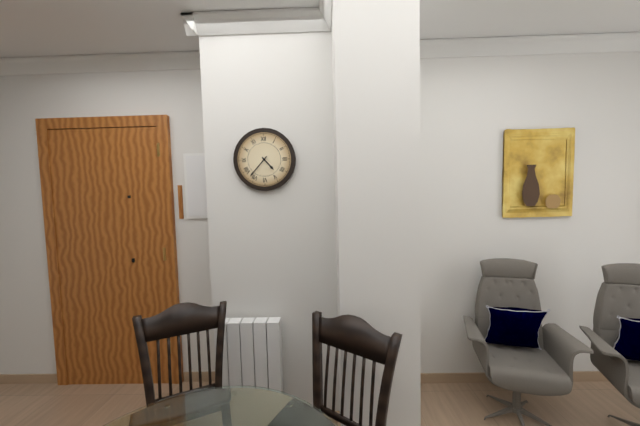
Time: {"hour": 4, "minute": 37}
